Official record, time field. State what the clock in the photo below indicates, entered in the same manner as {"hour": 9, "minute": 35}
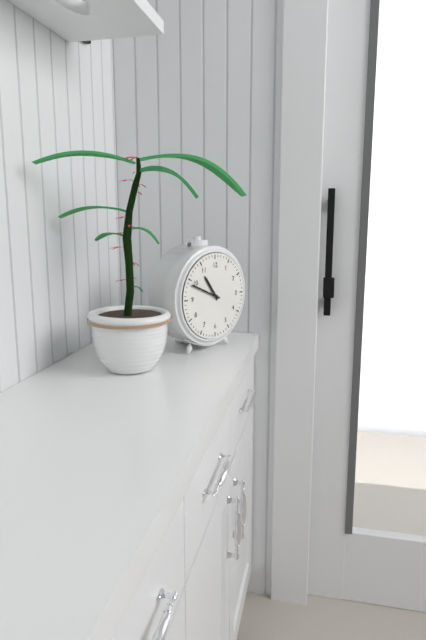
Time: {"hour": 10, "minute": 49}
